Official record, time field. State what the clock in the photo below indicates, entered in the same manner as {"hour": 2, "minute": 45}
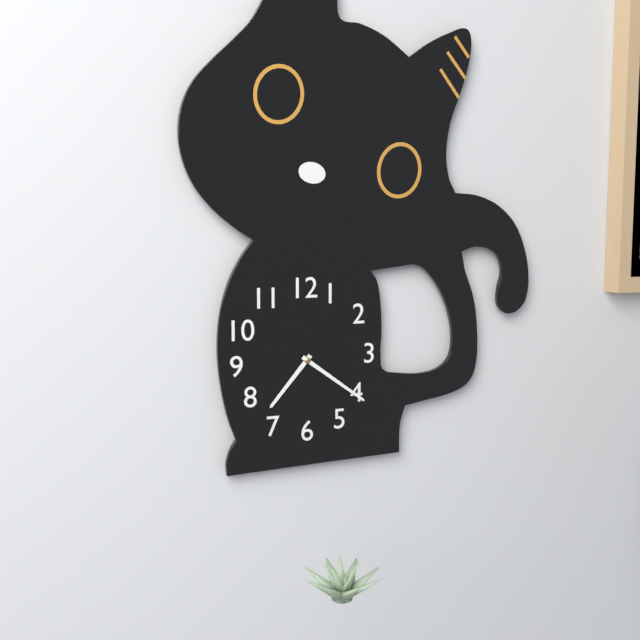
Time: {"hour": 7, "minute": 21}
